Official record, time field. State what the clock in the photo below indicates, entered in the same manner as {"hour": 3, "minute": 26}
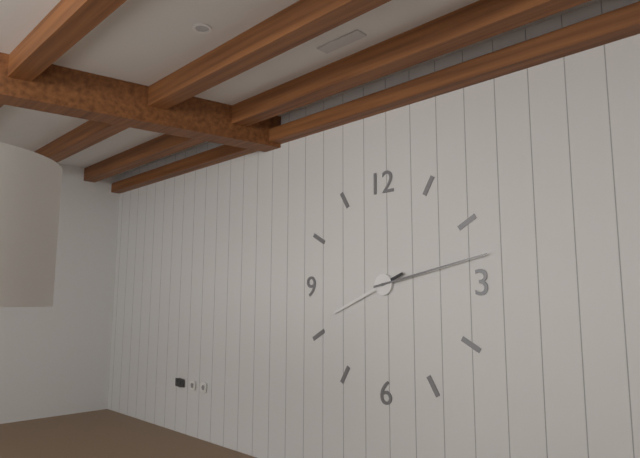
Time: {"hour": 8, "minute": 13}
